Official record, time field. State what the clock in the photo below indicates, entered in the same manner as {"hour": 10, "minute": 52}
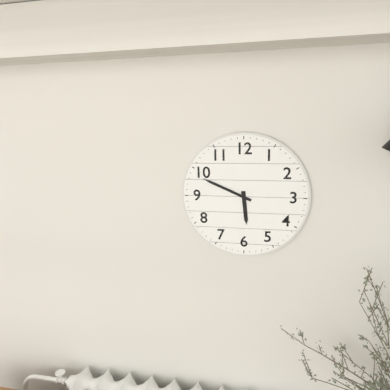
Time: {"hour": 5, "minute": 49}
